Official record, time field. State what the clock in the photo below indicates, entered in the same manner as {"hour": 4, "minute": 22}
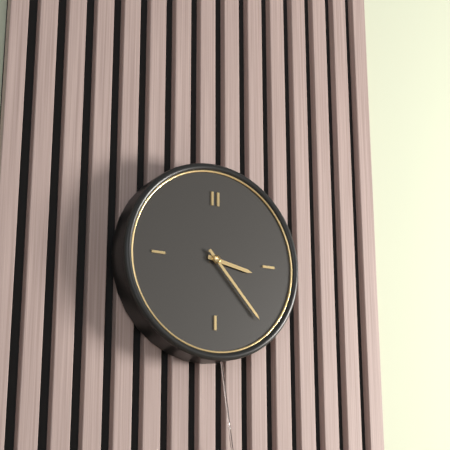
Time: {"hour": 3, "minute": 23}
